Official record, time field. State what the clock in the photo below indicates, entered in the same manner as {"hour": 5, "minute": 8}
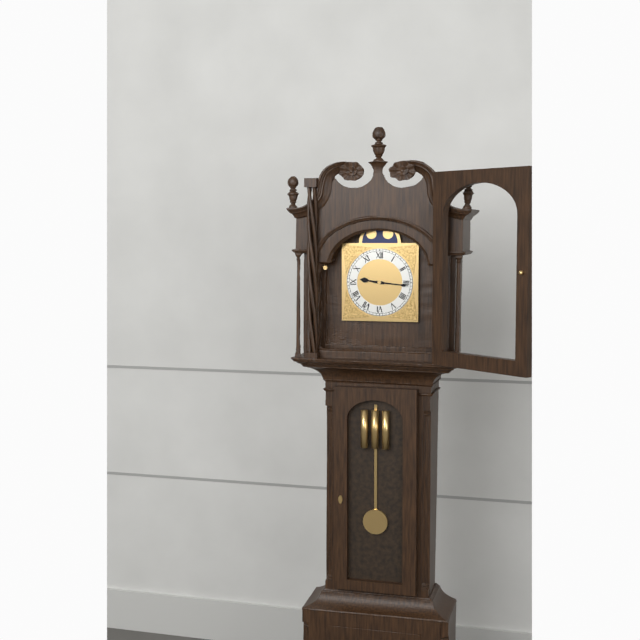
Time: {"hour": 9, "minute": 16}
